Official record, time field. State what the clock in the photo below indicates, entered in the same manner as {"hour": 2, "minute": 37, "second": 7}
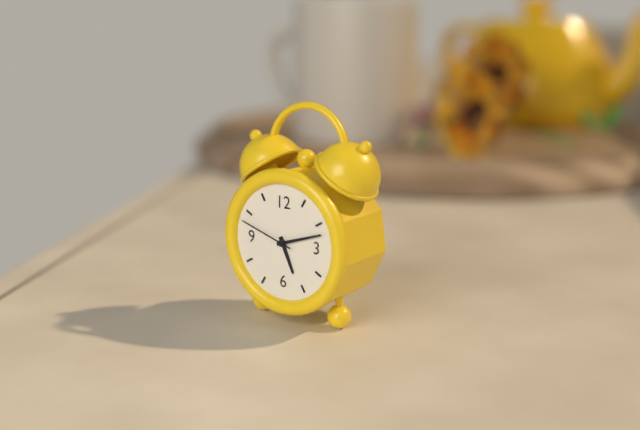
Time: {"hour": 5, "minute": 12, "second": 48}
